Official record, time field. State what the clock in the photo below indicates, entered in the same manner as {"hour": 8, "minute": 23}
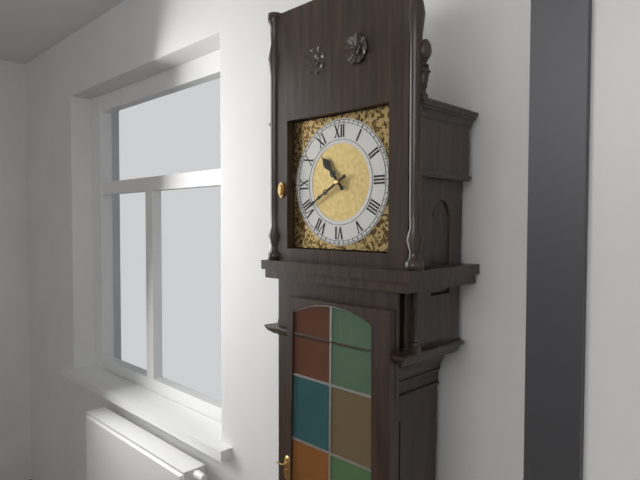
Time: {"hour": 10, "minute": 40}
